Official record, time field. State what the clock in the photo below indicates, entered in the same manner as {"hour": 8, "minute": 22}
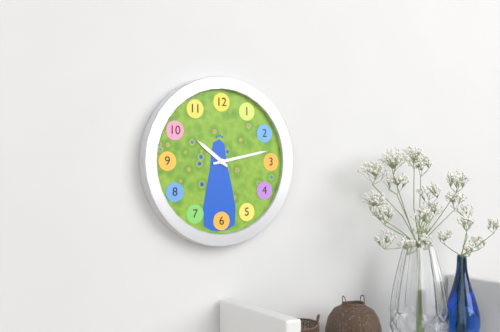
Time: {"hour": 10, "minute": 13}
